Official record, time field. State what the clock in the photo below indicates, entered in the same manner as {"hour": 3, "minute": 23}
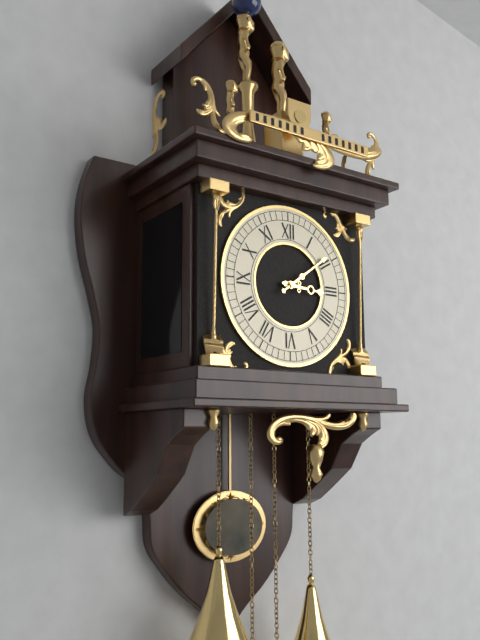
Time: {"hour": 3, "minute": 9}
